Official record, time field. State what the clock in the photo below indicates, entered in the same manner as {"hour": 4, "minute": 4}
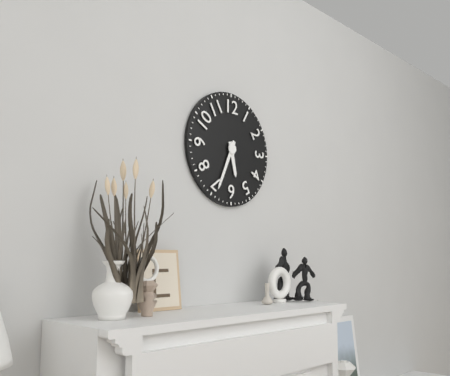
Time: {"hour": 5, "minute": 34}
